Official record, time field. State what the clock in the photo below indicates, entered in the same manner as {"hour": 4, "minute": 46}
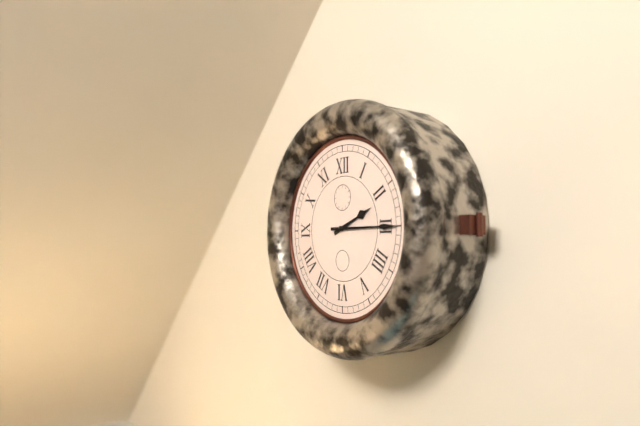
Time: {"hour": 2, "minute": 15}
